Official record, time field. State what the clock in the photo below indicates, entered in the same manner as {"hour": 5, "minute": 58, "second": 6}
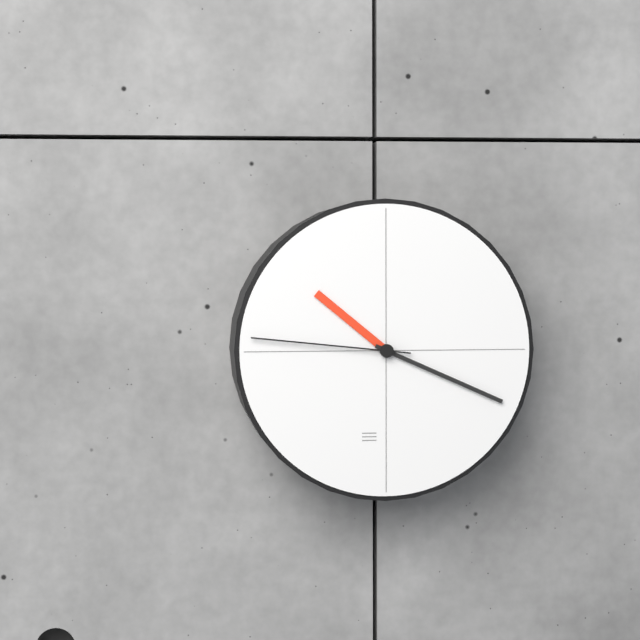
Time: {"hour": 10, "minute": 19, "second": 46}
